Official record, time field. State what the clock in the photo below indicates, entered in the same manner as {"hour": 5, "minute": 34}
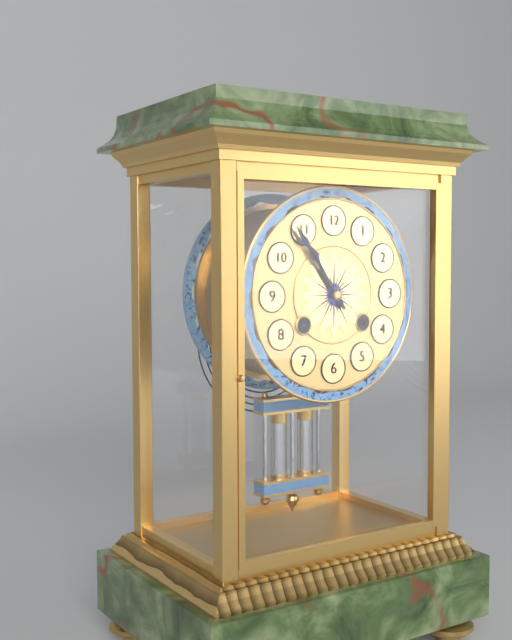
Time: {"hour": 10, "minute": 54}
